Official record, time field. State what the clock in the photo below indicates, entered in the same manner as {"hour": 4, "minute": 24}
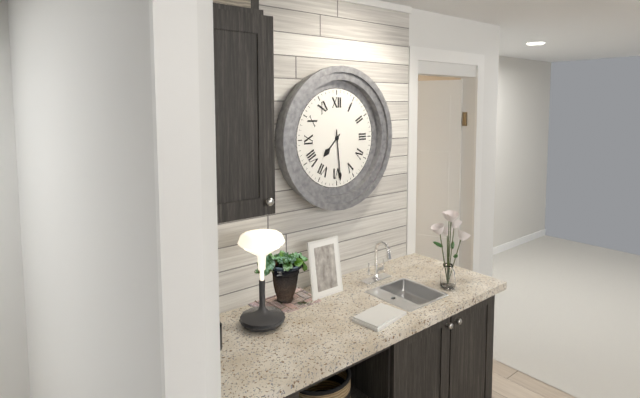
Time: {"hour": 7, "minute": 29}
